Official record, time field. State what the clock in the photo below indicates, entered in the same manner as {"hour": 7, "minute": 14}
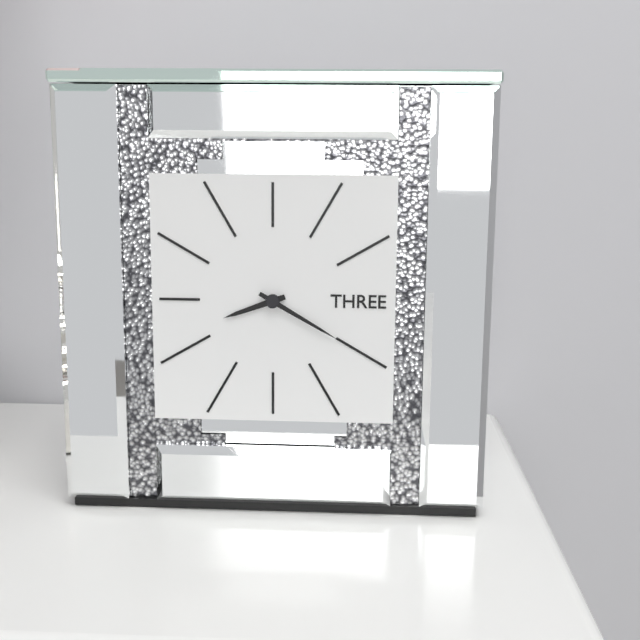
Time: {"hour": 8, "minute": 20}
